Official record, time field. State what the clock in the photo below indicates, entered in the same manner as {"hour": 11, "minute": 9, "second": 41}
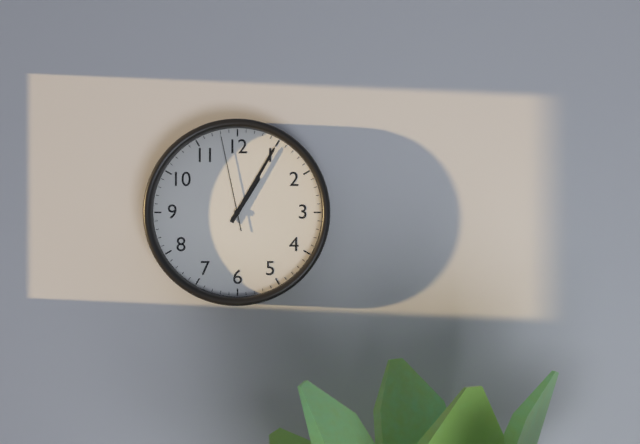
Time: {"hour": 1, "minute": 5, "second": 58}
